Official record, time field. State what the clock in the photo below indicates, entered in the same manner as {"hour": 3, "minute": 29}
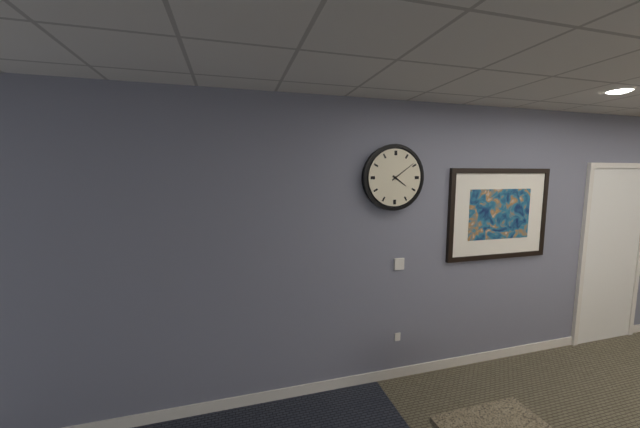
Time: {"hour": 4, "minute": 9}
